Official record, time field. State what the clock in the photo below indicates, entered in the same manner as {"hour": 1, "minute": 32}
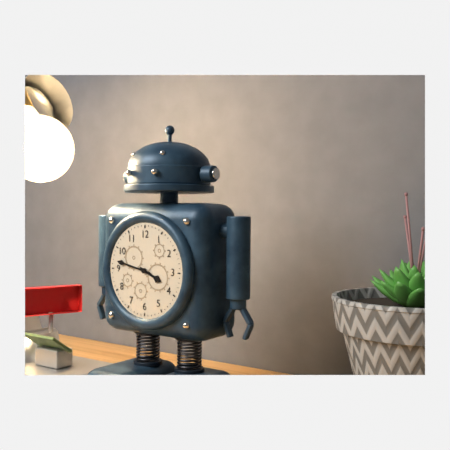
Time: {"hour": 3, "minute": 47}
